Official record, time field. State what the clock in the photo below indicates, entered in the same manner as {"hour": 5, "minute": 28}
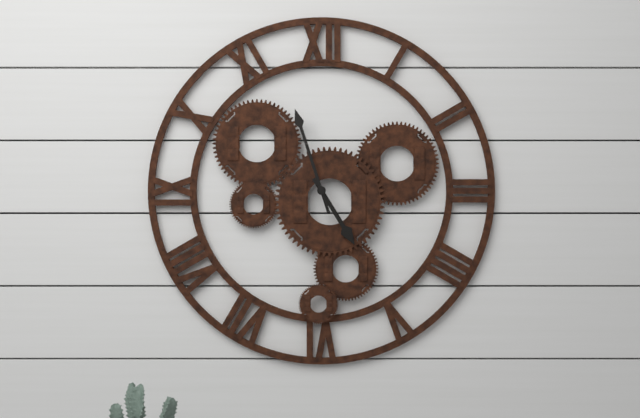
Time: {"hour": 4, "minute": 57}
